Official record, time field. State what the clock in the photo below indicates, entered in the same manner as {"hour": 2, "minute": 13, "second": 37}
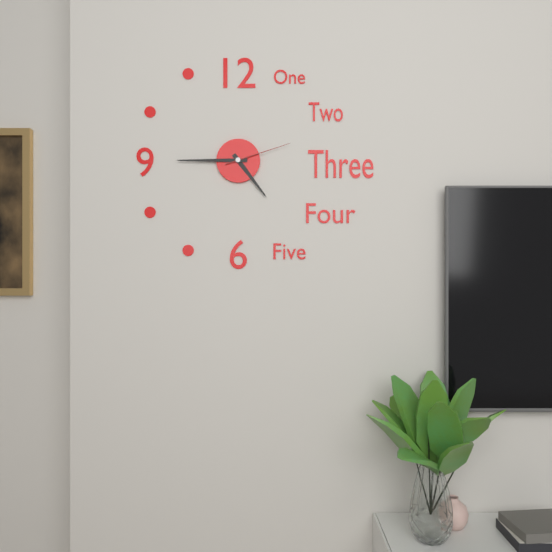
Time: {"hour": 4, "minute": 45, "second": 12}
